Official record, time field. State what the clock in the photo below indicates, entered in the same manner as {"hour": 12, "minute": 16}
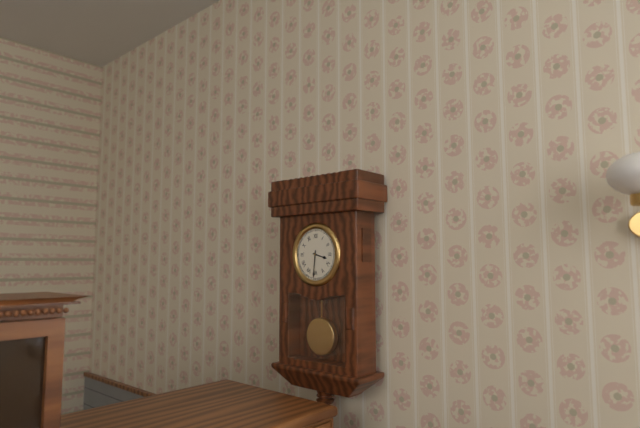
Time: {"hour": 3, "minute": 31}
